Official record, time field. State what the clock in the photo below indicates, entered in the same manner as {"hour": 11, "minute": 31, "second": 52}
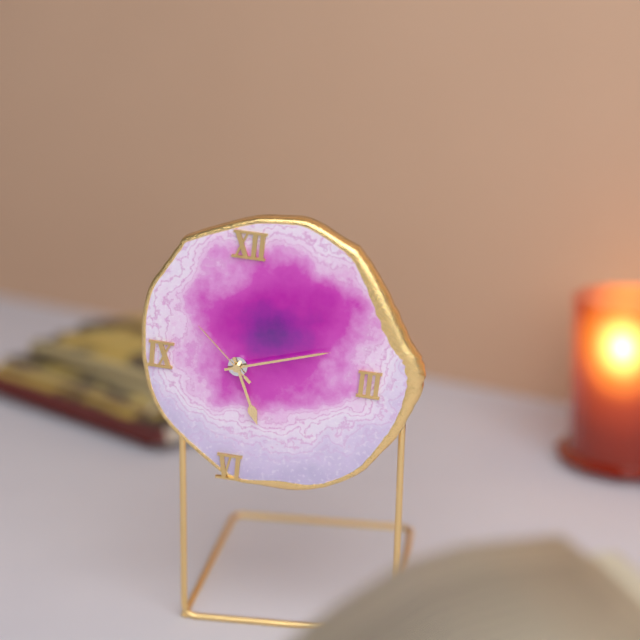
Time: {"hour": 5, "minute": 12, "second": 52}
